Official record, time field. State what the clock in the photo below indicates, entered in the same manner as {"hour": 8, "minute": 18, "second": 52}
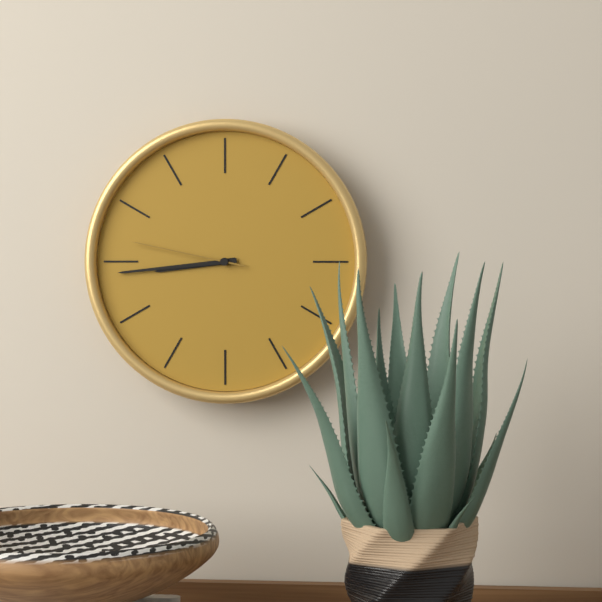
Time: {"hour": 8, "minute": 44, "second": 47}
